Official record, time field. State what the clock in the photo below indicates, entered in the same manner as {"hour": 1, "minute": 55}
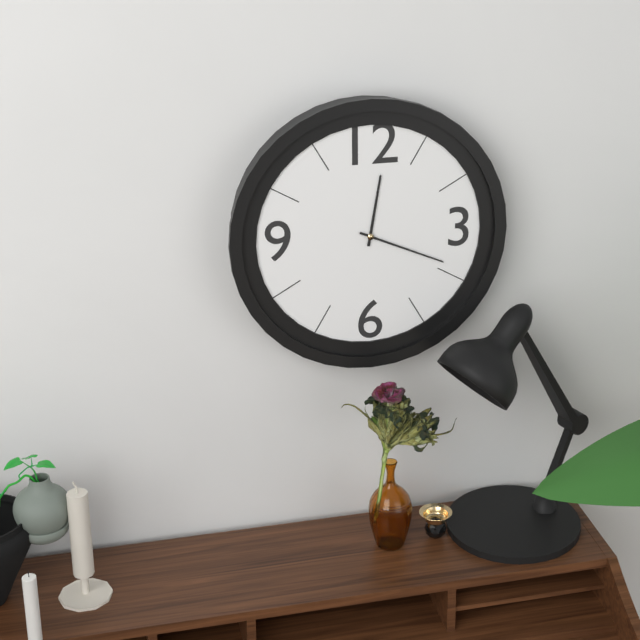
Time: {"hour": 12, "minute": 19}
